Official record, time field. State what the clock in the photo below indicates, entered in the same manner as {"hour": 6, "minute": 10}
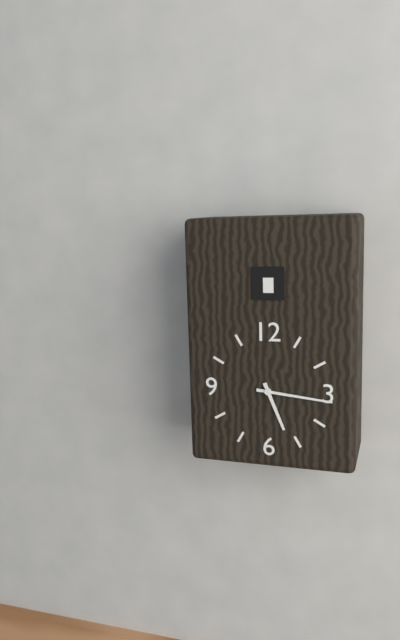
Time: {"hour": 5, "minute": 16}
